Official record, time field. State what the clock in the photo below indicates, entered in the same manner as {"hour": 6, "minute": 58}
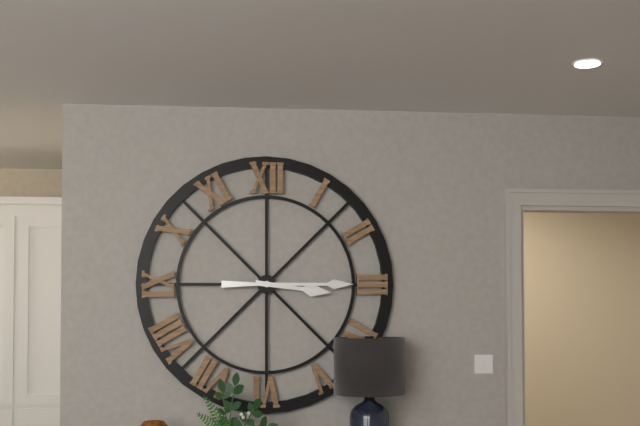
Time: {"hour": 3, "minute": 15}
